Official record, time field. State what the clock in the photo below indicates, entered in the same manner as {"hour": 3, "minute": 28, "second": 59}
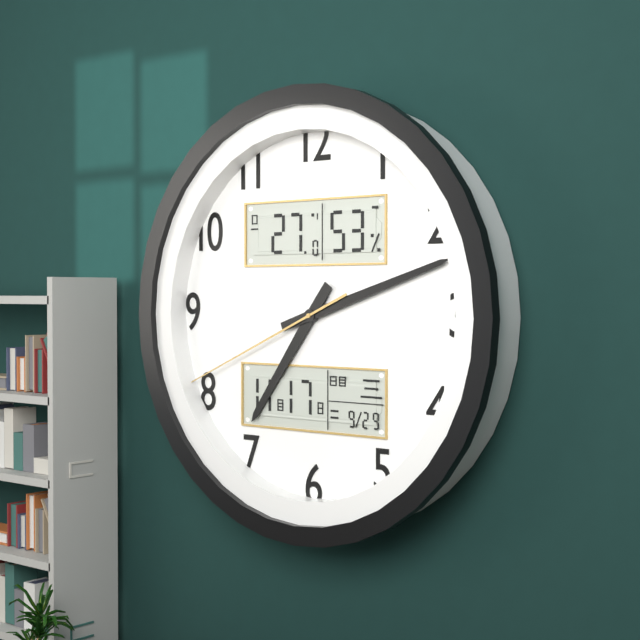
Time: {"hour": 7, "minute": 12, "second": 41}
